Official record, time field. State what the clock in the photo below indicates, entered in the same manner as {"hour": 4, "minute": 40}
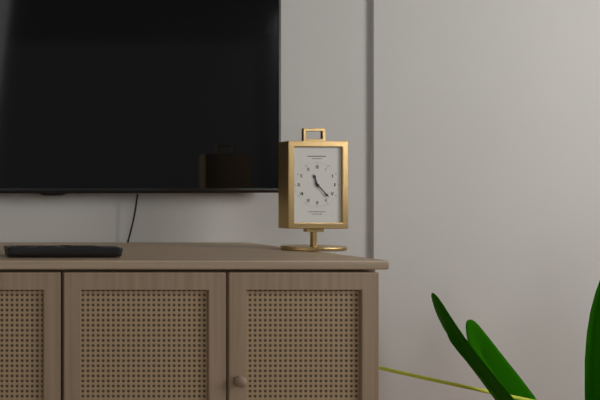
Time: {"hour": 11, "minute": 23}
